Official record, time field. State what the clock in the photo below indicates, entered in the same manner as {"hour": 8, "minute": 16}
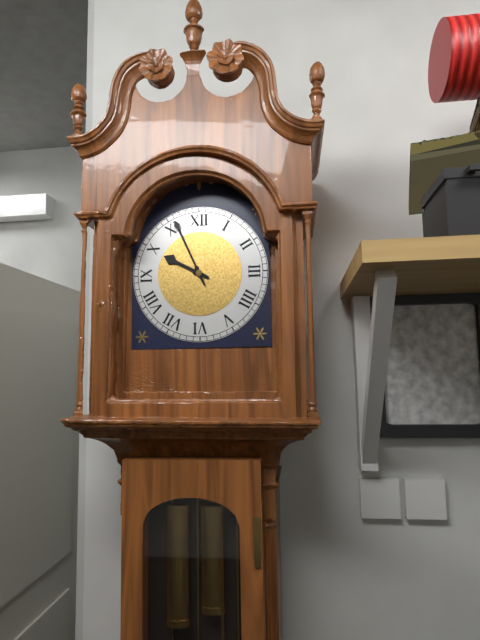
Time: {"hour": 9, "minute": 56}
